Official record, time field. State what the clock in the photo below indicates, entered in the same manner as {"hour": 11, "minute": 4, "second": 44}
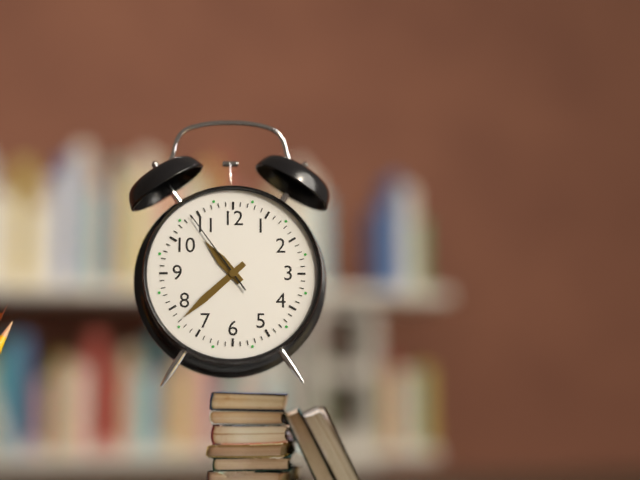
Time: {"hour": 10, "minute": 38, "second": 54}
